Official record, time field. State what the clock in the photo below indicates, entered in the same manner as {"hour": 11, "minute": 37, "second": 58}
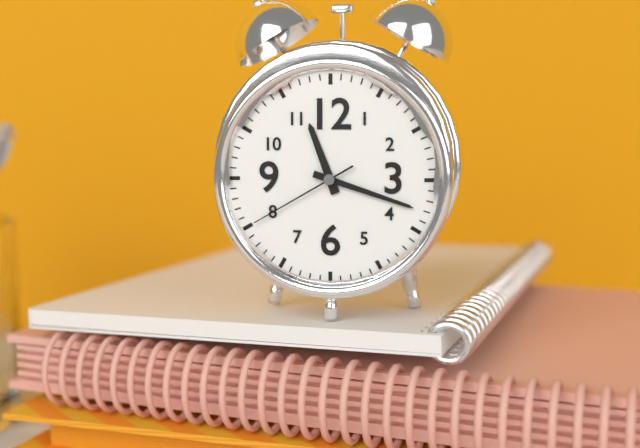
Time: {"hour": 11, "minute": 18, "second": 40}
